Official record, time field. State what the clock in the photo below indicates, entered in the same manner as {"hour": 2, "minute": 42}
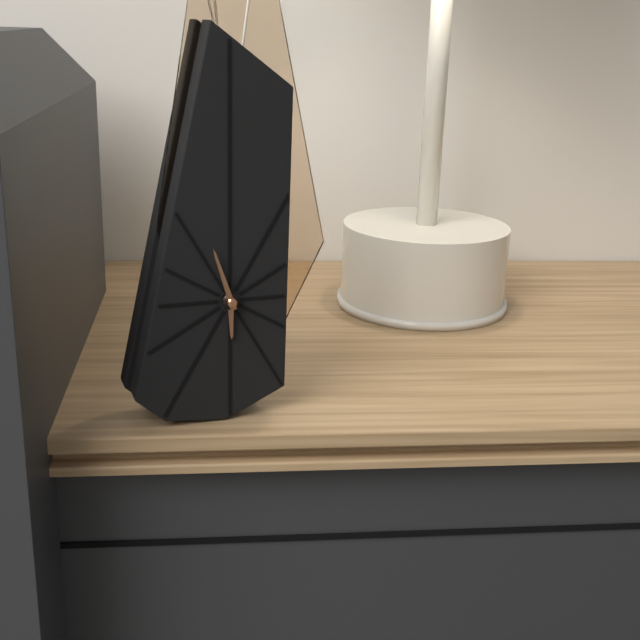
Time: {"hour": 5, "minute": 57}
